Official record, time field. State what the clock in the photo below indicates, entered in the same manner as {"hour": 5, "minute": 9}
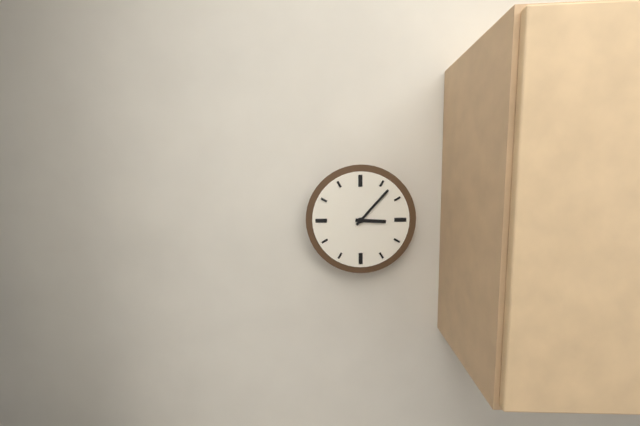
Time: {"hour": 3, "minute": 7}
